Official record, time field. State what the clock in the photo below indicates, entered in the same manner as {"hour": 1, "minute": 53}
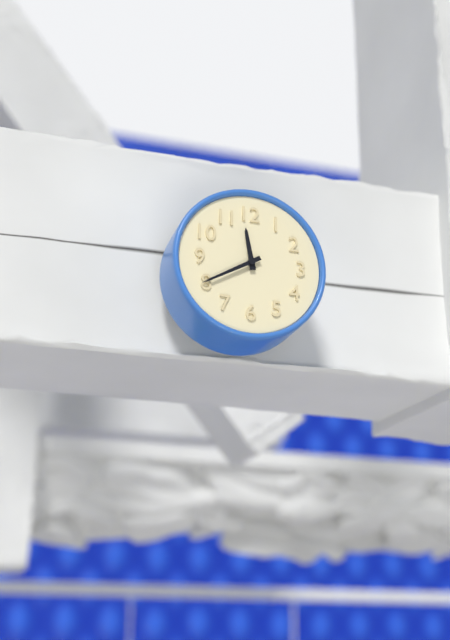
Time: {"hour": 11, "minute": 40}
